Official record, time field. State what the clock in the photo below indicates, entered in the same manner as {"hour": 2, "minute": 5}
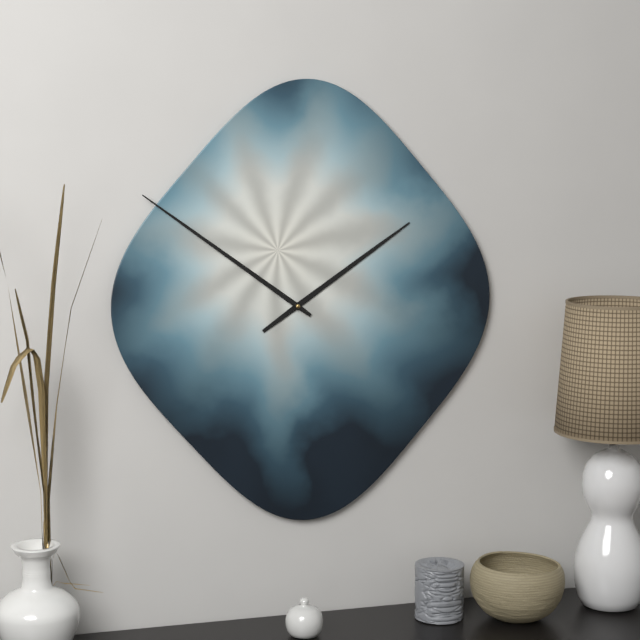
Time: {"hour": 1, "minute": 51}
